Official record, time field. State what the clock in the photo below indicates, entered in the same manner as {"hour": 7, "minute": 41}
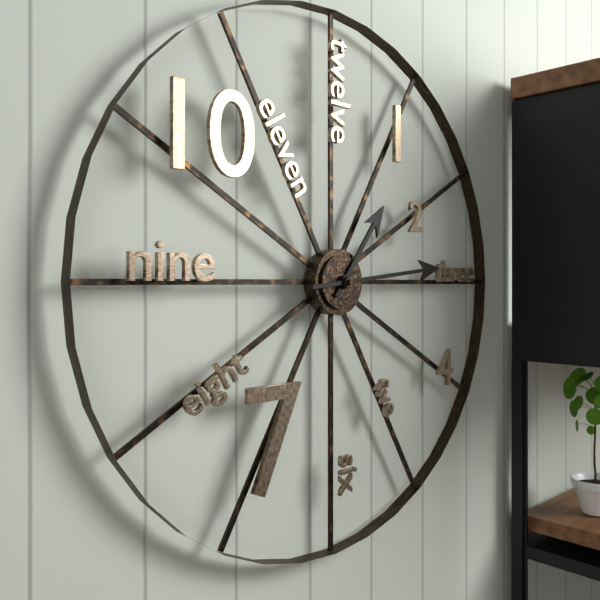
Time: {"hour": 1, "minute": 14}
